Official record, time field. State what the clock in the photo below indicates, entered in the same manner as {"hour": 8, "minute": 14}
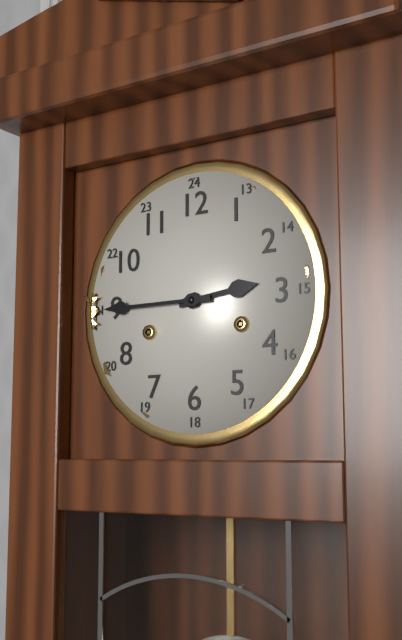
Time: {"hour": 2, "minute": 45}
